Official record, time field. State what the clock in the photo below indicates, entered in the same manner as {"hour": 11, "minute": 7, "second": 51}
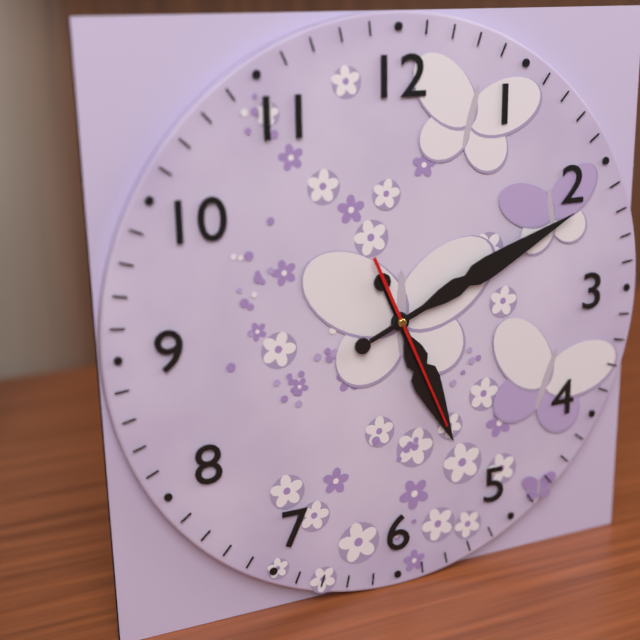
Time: {"hour": 5, "minute": 11, "second": 26}
